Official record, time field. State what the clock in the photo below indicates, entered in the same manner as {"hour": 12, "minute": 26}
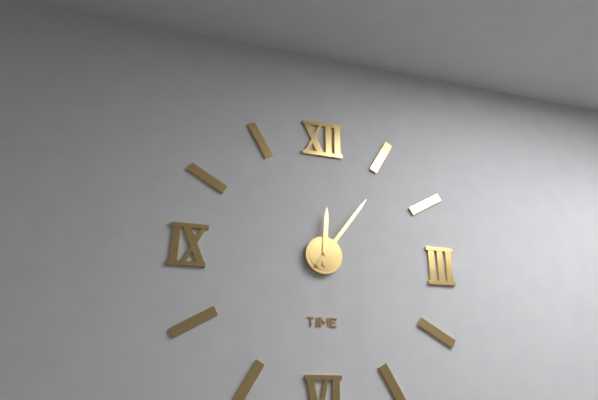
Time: {"hour": 12, "minute": 6}
